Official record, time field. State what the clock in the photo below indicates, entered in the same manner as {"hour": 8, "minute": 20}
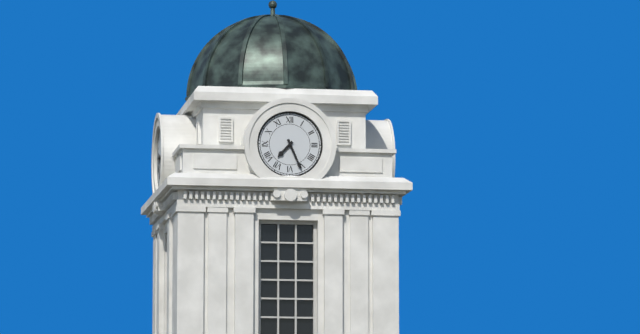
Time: {"hour": 7, "minute": 26}
